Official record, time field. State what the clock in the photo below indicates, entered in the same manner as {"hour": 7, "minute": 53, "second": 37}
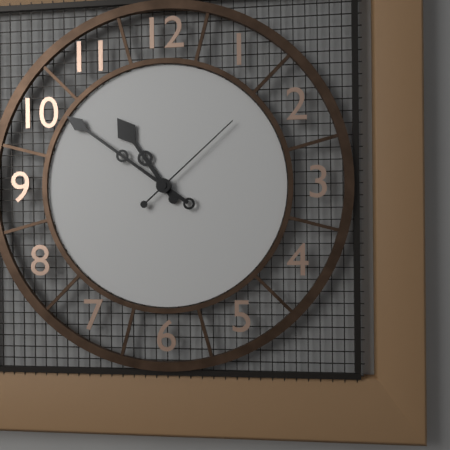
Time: {"hour": 10, "minute": 51, "second": 8}
